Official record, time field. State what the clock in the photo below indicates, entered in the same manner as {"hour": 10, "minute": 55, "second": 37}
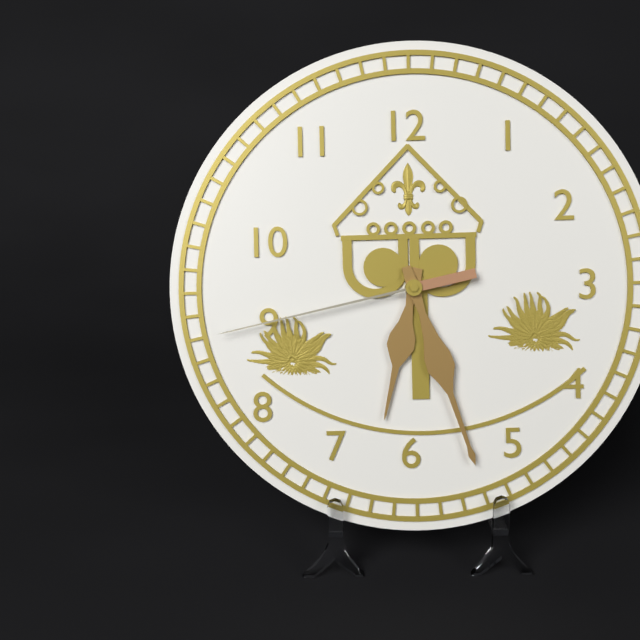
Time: {"hour": 6, "minute": 27, "second": 43}
